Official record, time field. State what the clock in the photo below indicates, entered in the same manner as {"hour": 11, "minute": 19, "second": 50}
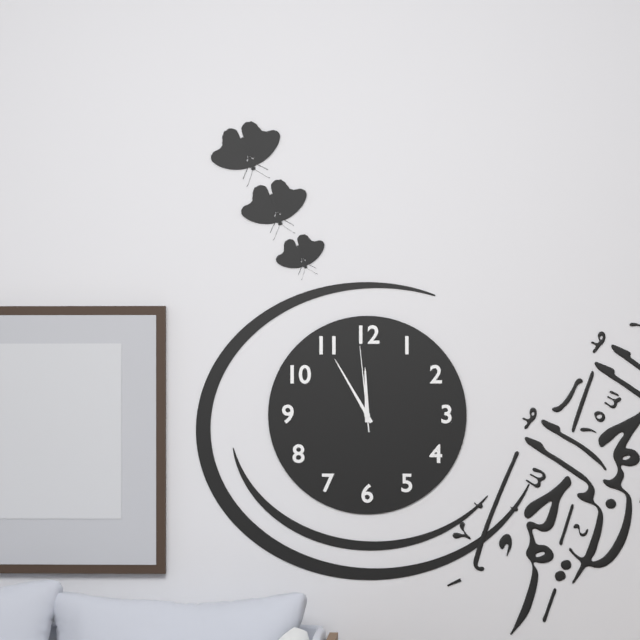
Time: {"hour": 11, "minute": 55, "second": 59}
